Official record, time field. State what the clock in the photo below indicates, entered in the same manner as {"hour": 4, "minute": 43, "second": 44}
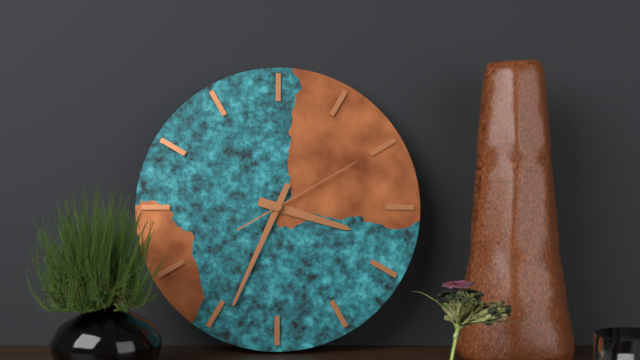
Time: {"hour": 3, "minute": 34, "second": 10}
